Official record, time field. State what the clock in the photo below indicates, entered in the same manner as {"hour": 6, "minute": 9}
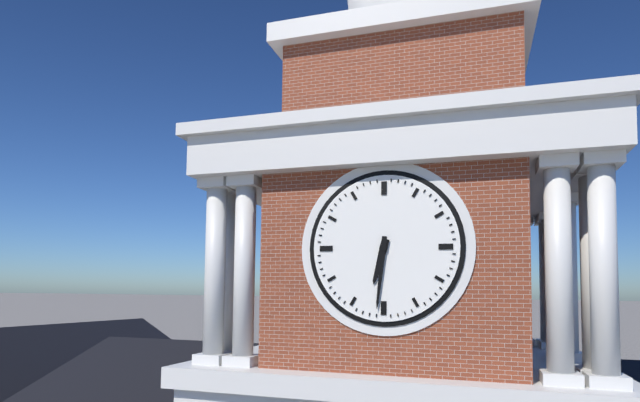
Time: {"hour": 6, "minute": 31}
